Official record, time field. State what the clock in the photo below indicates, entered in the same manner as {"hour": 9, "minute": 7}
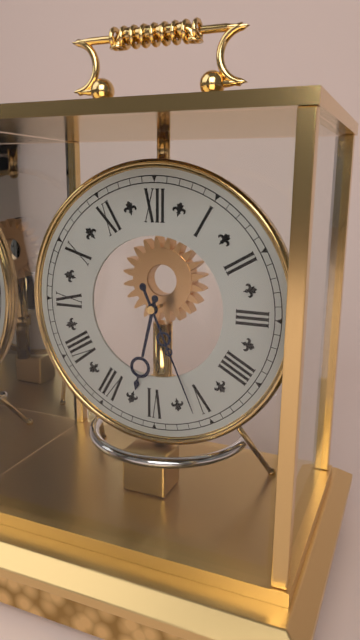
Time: {"hour": 6, "minute": 26}
